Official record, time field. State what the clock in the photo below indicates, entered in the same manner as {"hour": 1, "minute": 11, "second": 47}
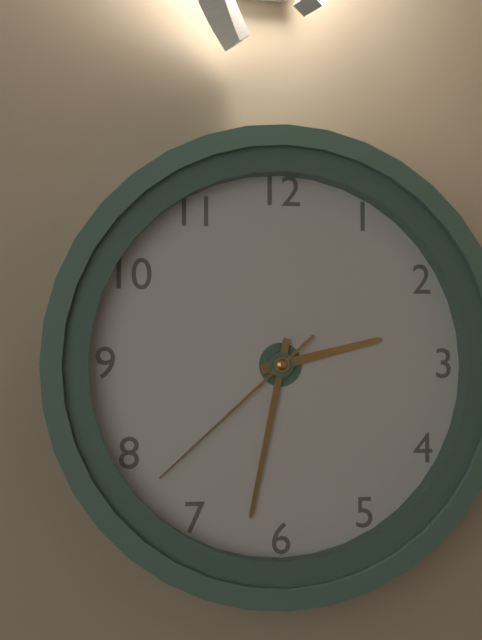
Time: {"hour": 2, "minute": 32, "second": 38}
